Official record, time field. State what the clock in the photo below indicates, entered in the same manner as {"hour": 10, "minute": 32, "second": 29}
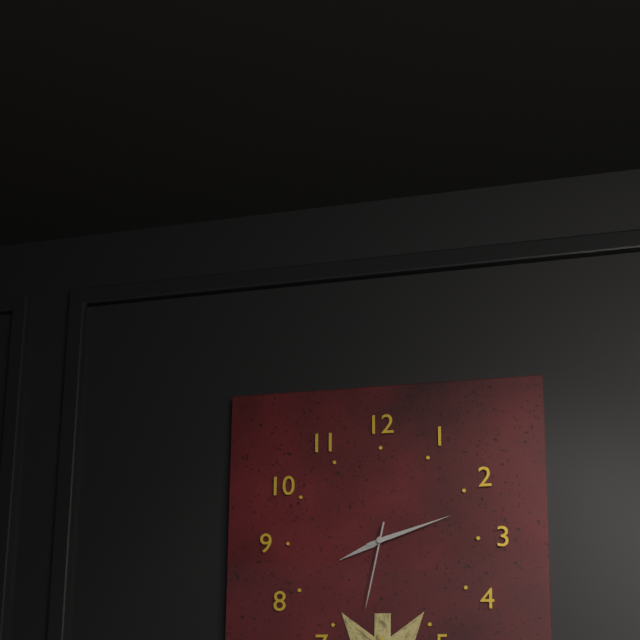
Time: {"hour": 8, "minute": 12, "second": 32}
